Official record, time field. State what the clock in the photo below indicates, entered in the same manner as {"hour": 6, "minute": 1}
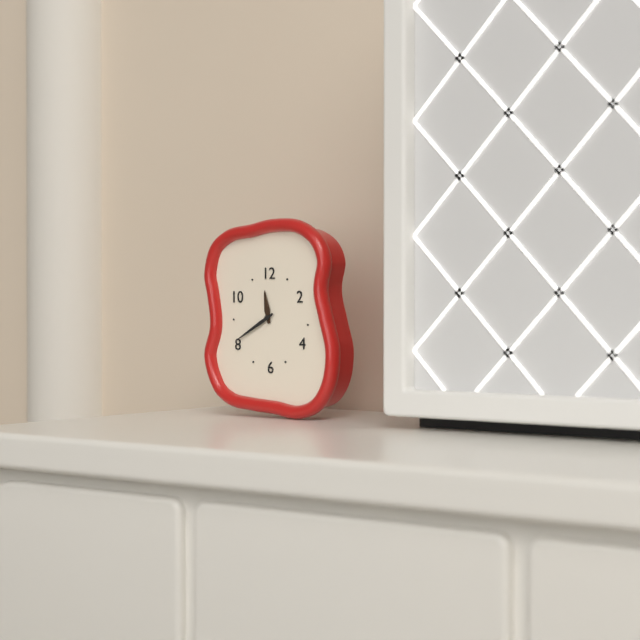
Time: {"hour": 11, "minute": 40}
